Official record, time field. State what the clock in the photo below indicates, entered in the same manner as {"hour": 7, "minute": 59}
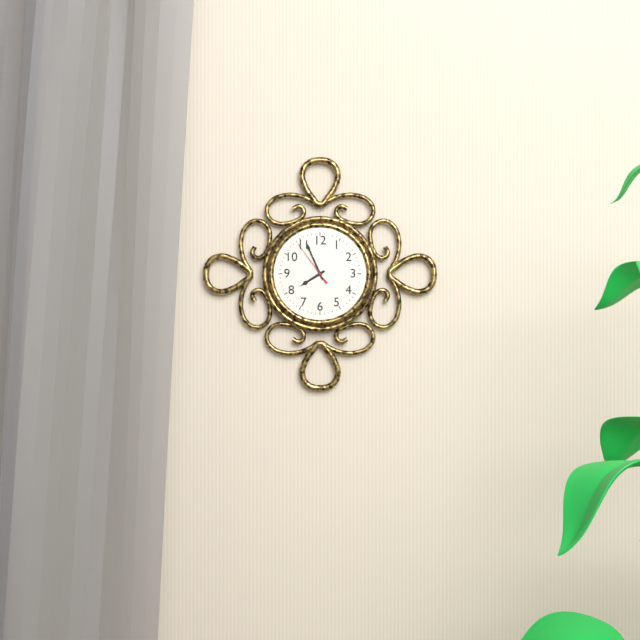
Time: {"hour": 7, "minute": 56}
